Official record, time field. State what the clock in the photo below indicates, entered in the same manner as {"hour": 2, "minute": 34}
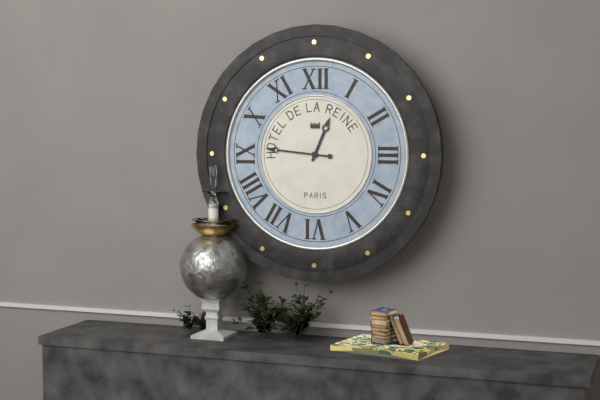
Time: {"hour": 12, "minute": 46}
